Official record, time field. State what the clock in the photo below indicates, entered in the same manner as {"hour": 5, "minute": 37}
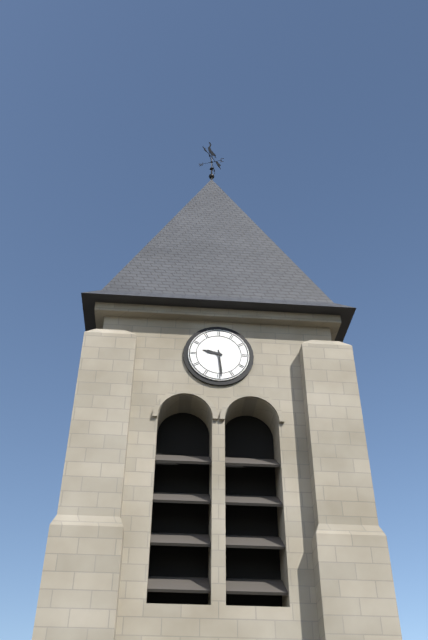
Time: {"hour": 9, "minute": 29}
